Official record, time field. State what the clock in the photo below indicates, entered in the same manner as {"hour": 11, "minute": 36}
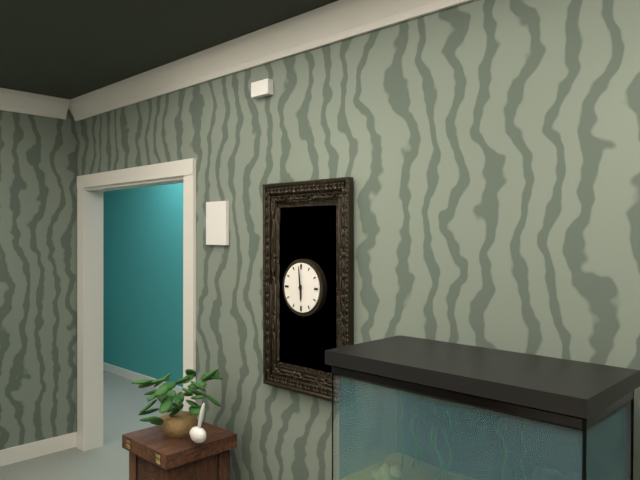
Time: {"hour": 5, "minute": 59}
